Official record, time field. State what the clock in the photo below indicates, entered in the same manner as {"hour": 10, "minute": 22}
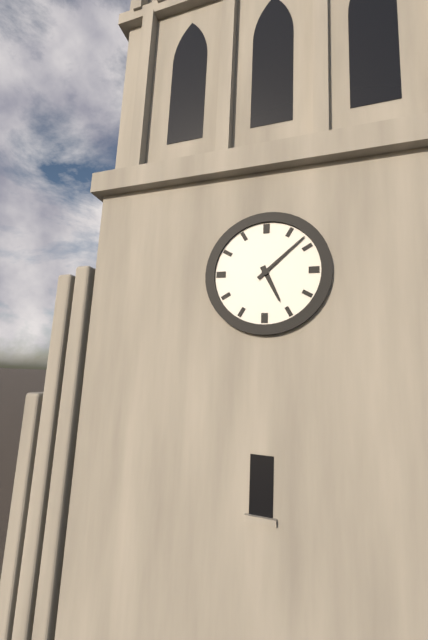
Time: {"hour": 5, "minute": 8}
